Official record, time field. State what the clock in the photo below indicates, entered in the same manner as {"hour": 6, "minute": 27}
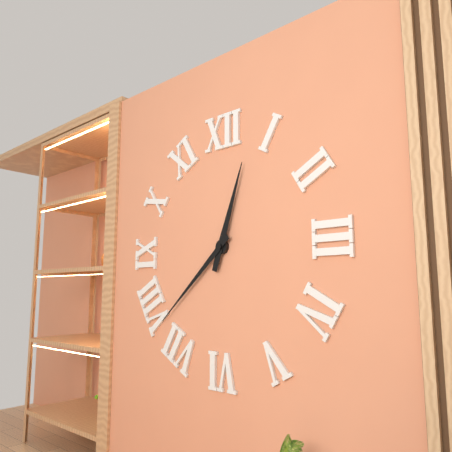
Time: {"hour": 12, "minute": 38}
